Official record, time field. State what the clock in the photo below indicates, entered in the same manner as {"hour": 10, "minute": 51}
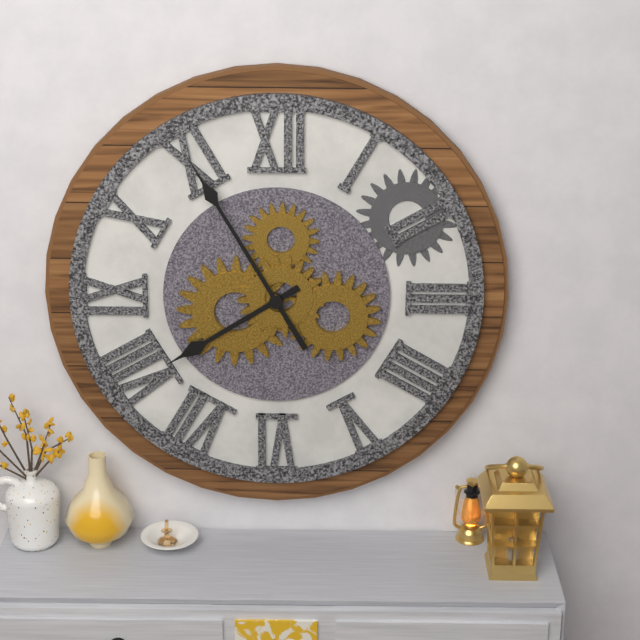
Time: {"hour": 7, "minute": 55}
